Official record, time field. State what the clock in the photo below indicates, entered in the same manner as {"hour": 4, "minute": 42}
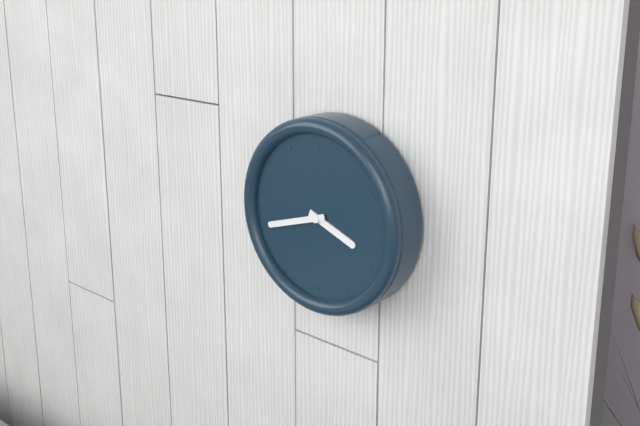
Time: {"hour": 3, "minute": 42}
